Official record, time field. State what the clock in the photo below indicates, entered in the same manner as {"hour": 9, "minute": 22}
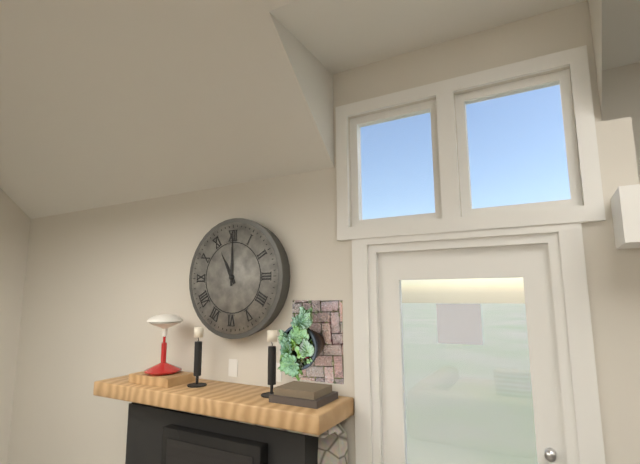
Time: {"hour": 11, "minute": 0}
